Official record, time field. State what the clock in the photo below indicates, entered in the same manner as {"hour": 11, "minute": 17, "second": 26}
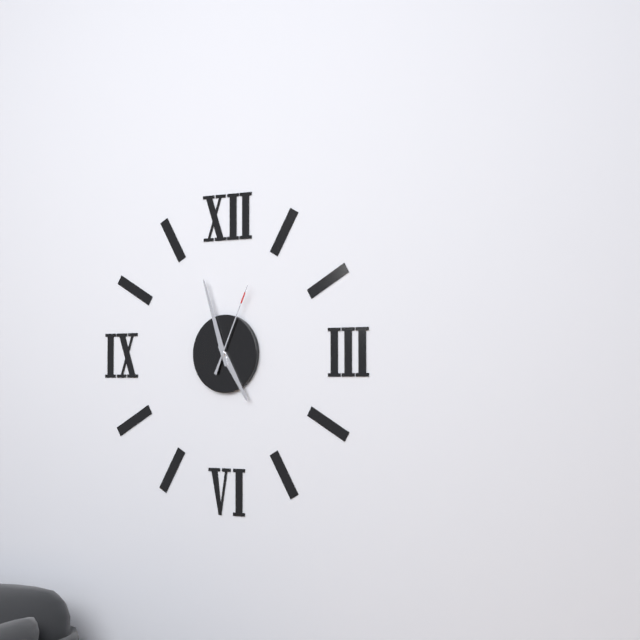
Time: {"hour": 4, "minute": 57, "second": 4}
